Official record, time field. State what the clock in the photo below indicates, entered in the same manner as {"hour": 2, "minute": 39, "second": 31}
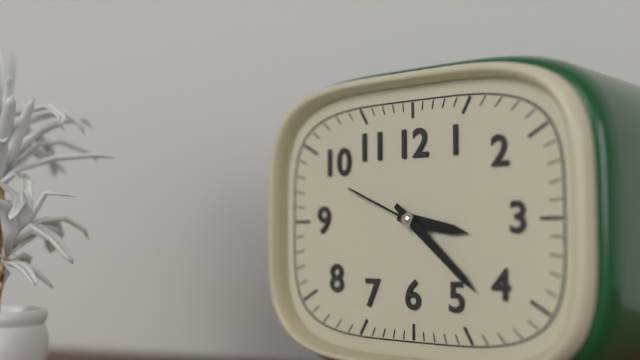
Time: {"hour": 3, "minute": 22, "second": 49}
